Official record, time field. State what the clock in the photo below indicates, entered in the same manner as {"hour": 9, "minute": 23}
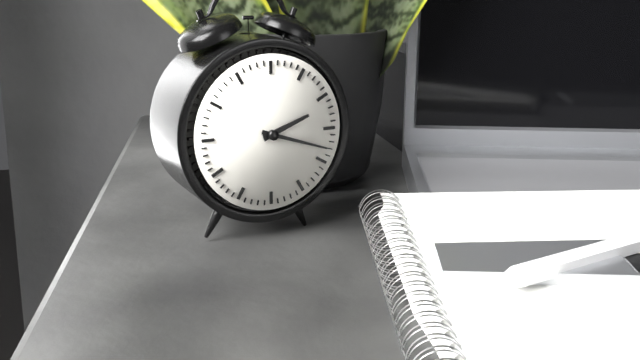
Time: {"hour": 2, "minute": 18}
